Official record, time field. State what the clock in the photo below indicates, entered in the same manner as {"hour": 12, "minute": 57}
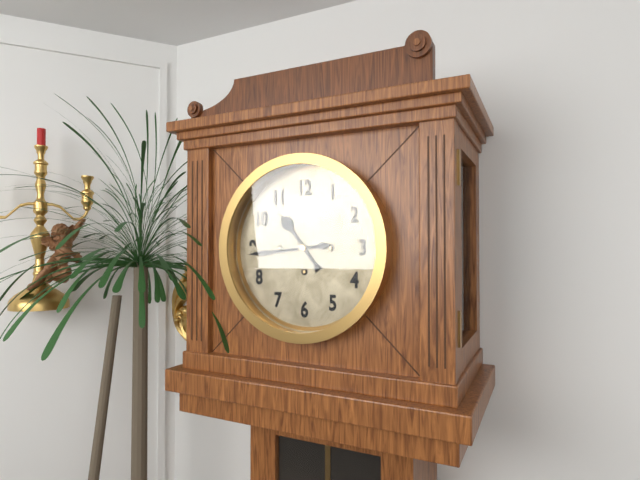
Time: {"hour": 10, "minute": 44}
